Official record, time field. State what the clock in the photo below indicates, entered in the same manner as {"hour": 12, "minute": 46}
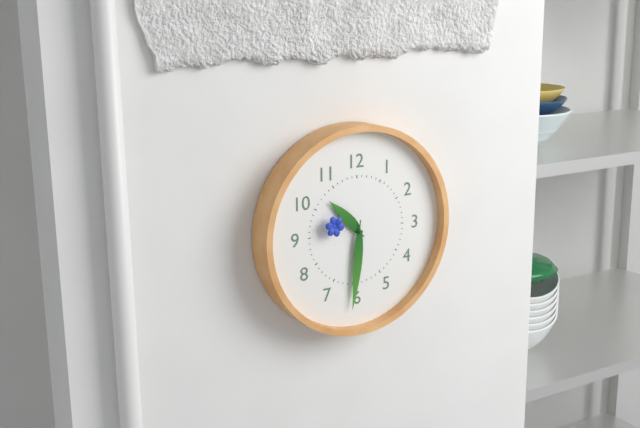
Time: {"hour": 10, "minute": 31}
